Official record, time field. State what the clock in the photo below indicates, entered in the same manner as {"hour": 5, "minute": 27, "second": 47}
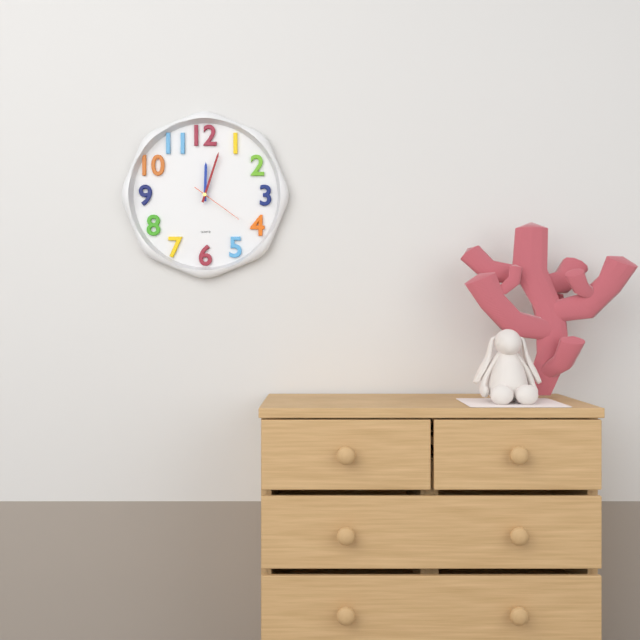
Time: {"hour": 12, "minute": 3, "second": 21}
